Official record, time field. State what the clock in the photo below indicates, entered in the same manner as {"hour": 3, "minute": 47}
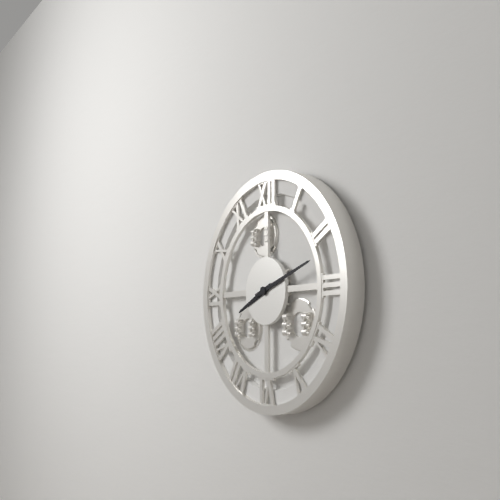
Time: {"hour": 8, "minute": 12}
